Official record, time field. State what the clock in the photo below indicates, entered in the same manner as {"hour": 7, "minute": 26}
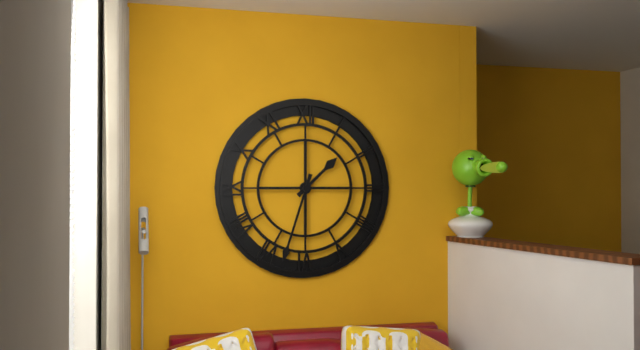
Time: {"hour": 1, "minute": 33}
